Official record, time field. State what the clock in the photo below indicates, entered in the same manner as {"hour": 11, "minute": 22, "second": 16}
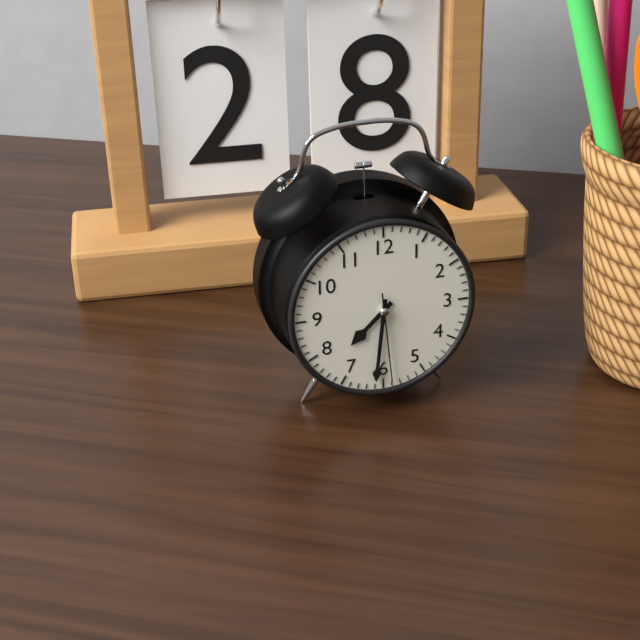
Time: {"hour": 7, "minute": 31, "second": 29}
